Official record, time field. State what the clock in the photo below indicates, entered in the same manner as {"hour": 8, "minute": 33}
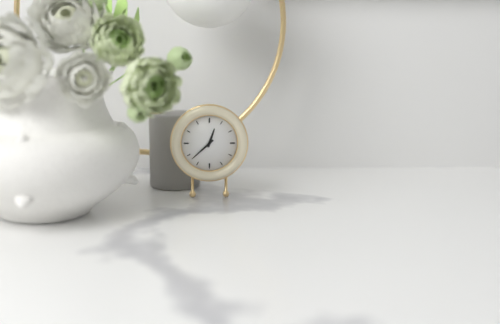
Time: {"hour": 12, "minute": 38}
